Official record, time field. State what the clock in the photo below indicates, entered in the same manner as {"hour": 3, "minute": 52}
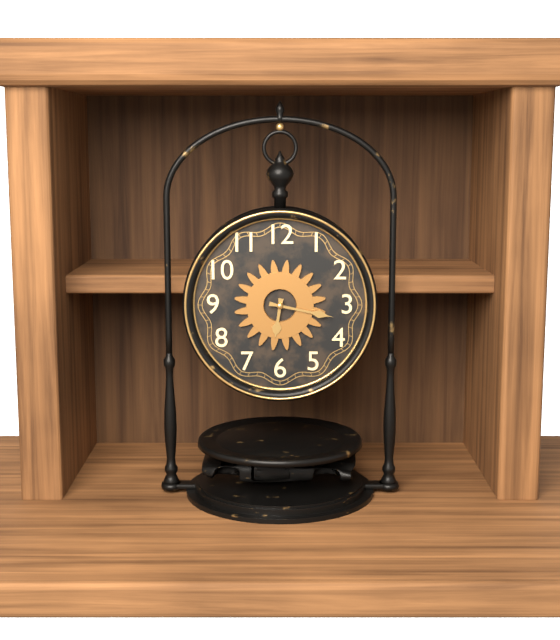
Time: {"hour": 6, "minute": 17}
